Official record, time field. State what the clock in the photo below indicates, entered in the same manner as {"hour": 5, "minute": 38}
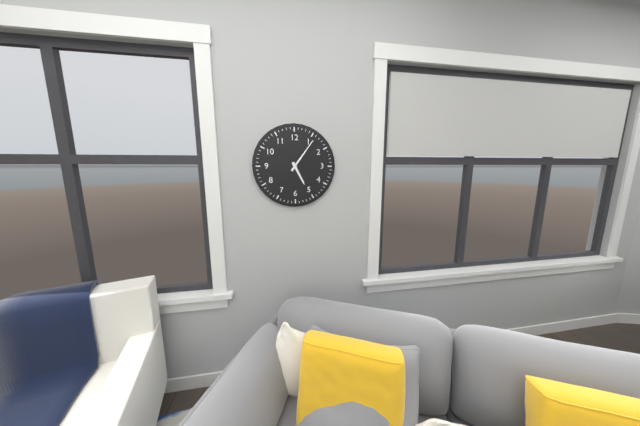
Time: {"hour": 5, "minute": 6}
